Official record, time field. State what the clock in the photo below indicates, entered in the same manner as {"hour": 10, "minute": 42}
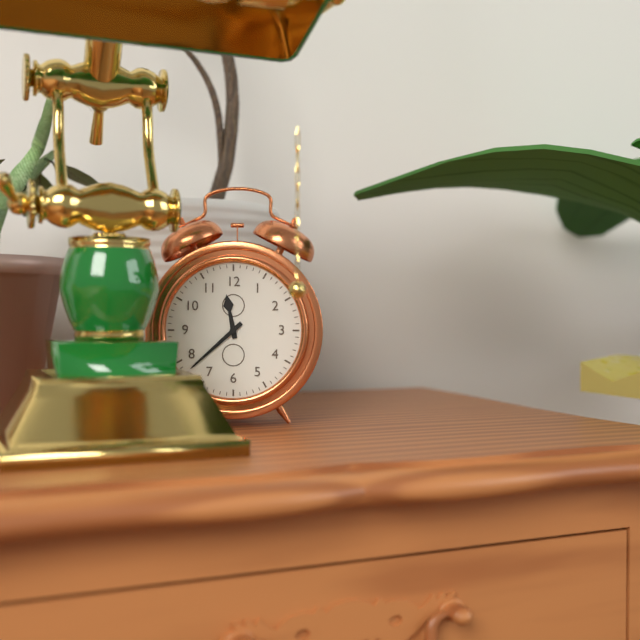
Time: {"hour": 11, "minute": 38}
